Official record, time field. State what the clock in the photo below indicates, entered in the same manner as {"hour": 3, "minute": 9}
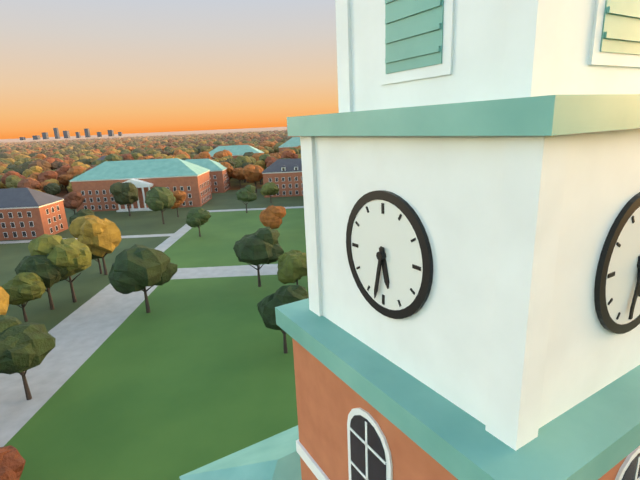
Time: {"hour": 5, "minute": 32}
